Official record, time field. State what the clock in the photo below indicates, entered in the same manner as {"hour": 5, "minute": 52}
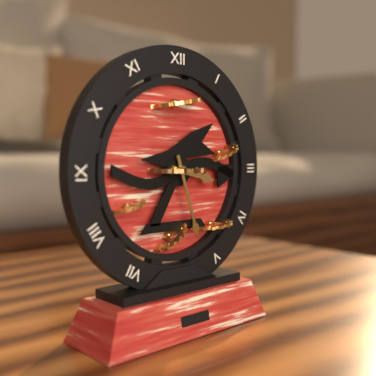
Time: {"hour": 3, "minute": 27}
